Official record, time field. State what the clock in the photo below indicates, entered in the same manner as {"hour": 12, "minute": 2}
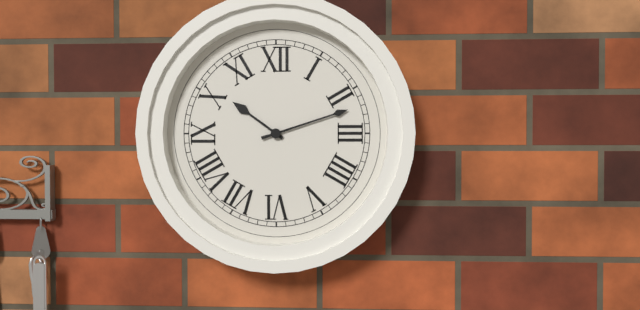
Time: {"hour": 10, "minute": 12}
